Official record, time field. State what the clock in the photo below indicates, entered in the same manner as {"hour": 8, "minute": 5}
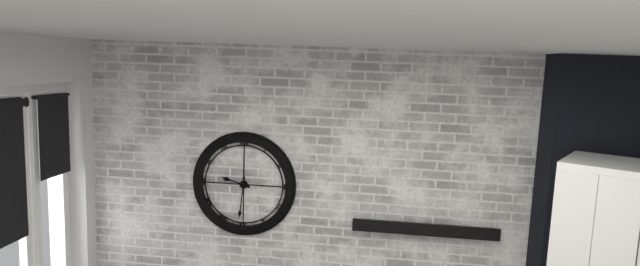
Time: {"hour": 9, "minute": 31}
